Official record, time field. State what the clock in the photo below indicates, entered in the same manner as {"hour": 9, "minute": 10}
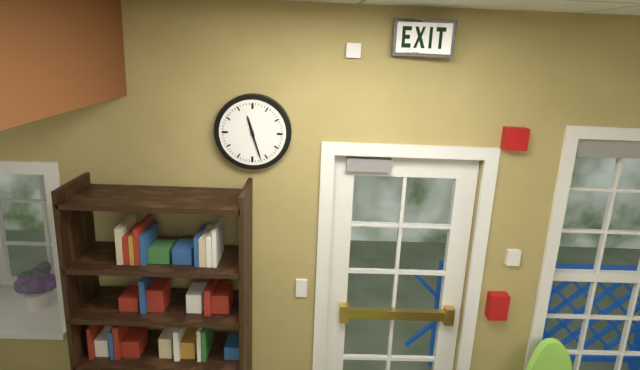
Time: {"hour": 11, "minute": 27}
